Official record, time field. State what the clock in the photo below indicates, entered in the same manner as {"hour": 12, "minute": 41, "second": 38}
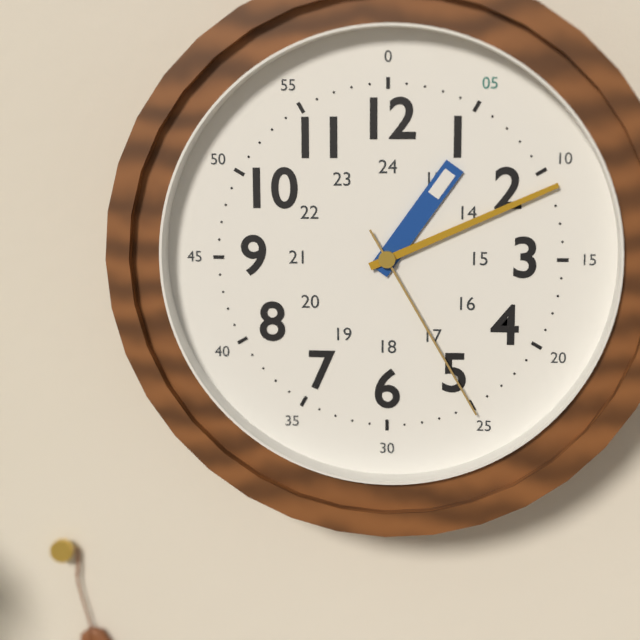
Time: {"hour": 1, "minute": 11, "second": 25}
